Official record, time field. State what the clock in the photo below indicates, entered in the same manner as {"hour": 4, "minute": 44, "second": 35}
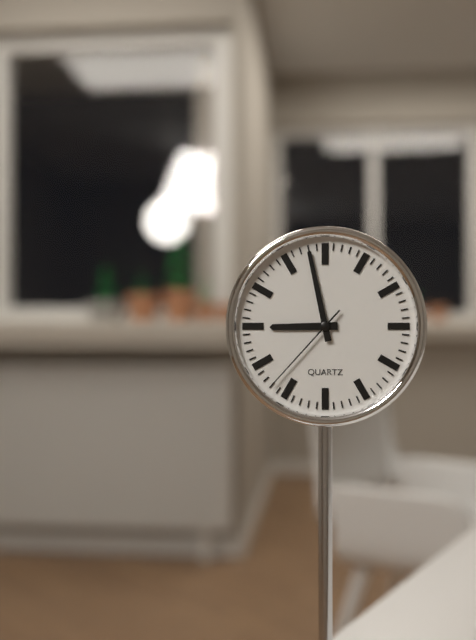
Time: {"hour": 8, "minute": 58, "second": 37}
